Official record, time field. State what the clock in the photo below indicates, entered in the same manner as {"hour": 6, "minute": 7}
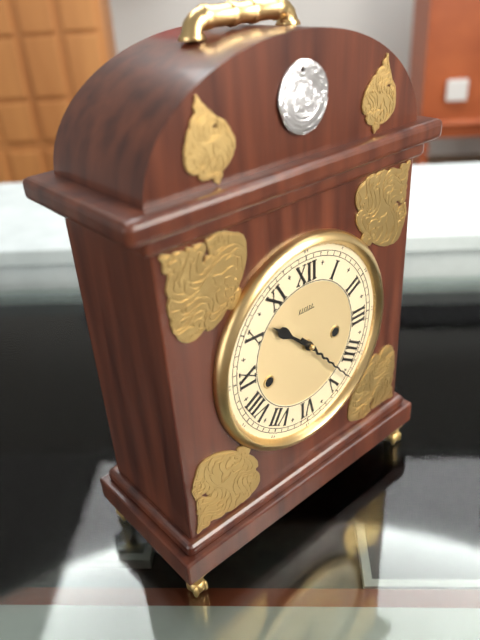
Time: {"hour": 10, "minute": 23}
